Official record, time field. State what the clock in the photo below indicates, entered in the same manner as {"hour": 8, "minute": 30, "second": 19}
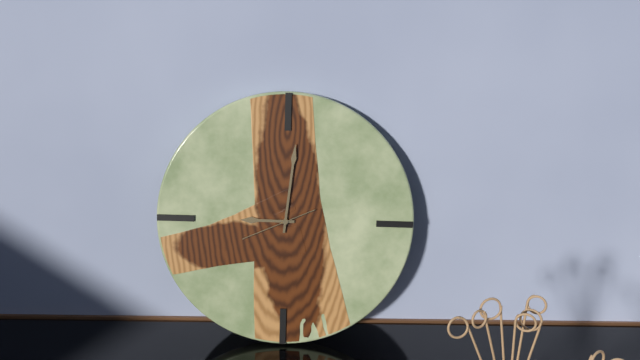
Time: {"hour": 9, "minute": 1, "second": 41}
